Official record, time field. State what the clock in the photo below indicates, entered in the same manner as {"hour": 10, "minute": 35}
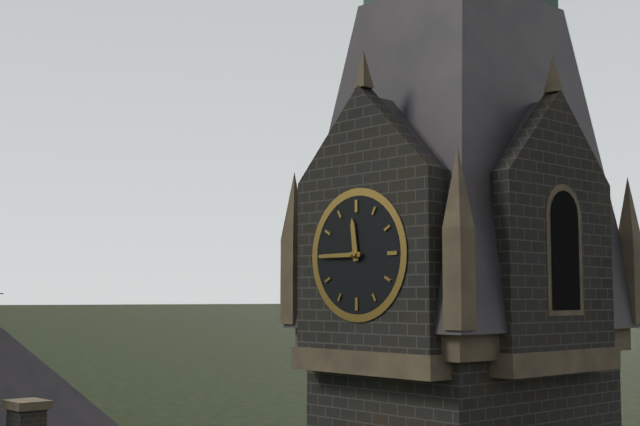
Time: {"hour": 11, "minute": 45}
